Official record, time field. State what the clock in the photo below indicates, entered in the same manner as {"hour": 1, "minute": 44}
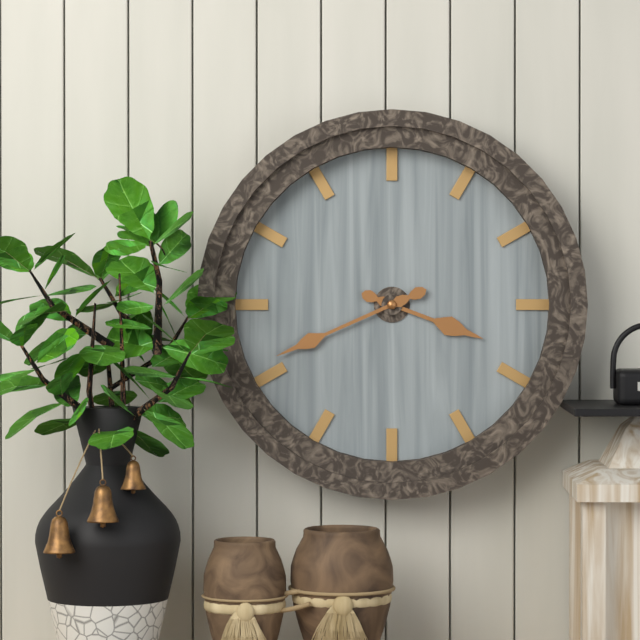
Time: {"hour": 3, "minute": 41}
